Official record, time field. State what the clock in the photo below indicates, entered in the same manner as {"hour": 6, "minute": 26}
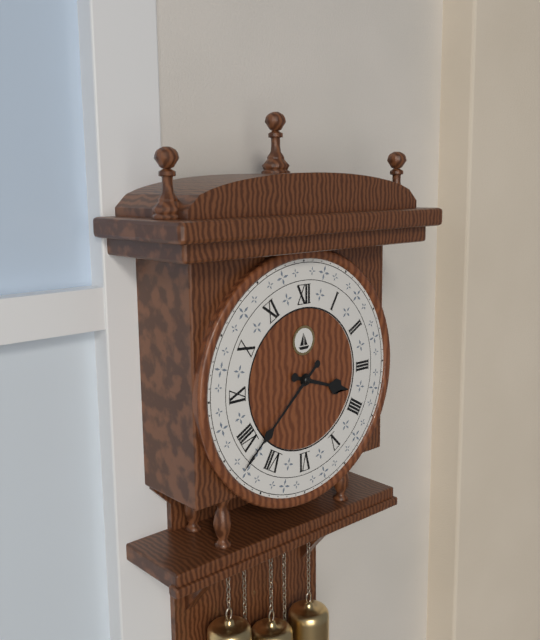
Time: {"hour": 3, "minute": 38}
